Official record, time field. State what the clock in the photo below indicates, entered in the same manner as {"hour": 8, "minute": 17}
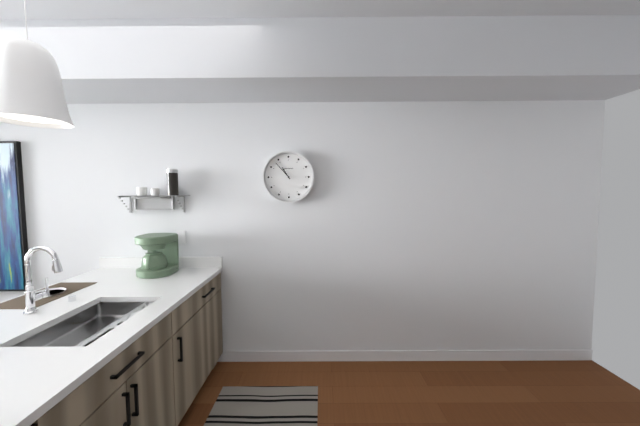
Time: {"hour": 10, "minute": 53}
